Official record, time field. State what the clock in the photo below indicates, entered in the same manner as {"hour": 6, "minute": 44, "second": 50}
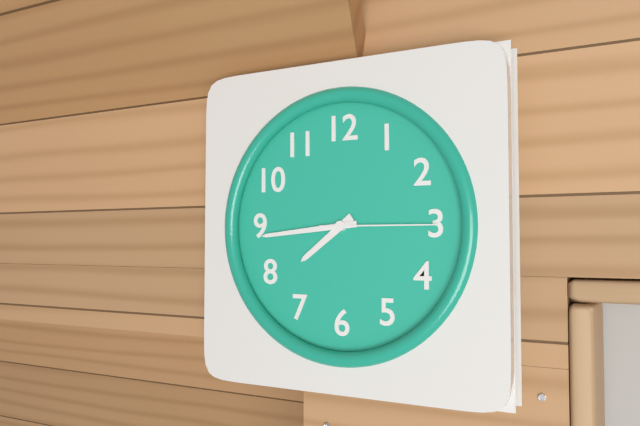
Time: {"hour": 7, "minute": 44, "second": 15}
